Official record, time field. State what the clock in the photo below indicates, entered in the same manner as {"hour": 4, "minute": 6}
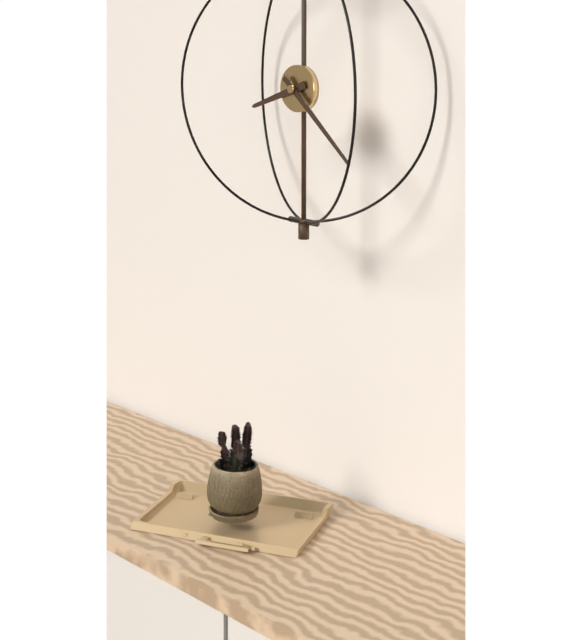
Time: {"hour": 8, "minute": 22}
